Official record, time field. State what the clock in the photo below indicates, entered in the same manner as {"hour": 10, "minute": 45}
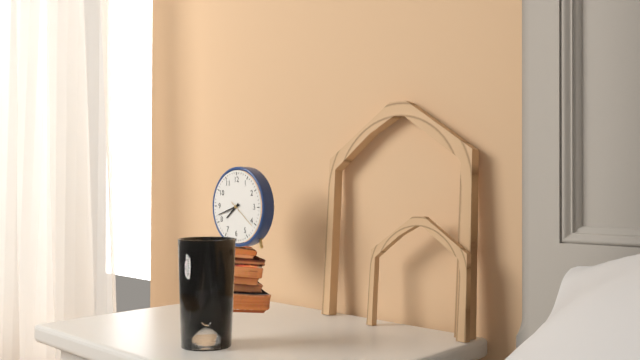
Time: {"hour": 7, "minute": 42}
